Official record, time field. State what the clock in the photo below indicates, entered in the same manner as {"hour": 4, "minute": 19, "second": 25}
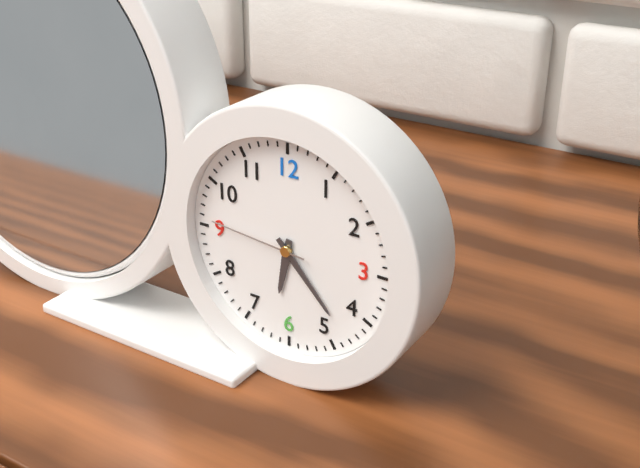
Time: {"hour": 6, "minute": 23, "second": 46}
